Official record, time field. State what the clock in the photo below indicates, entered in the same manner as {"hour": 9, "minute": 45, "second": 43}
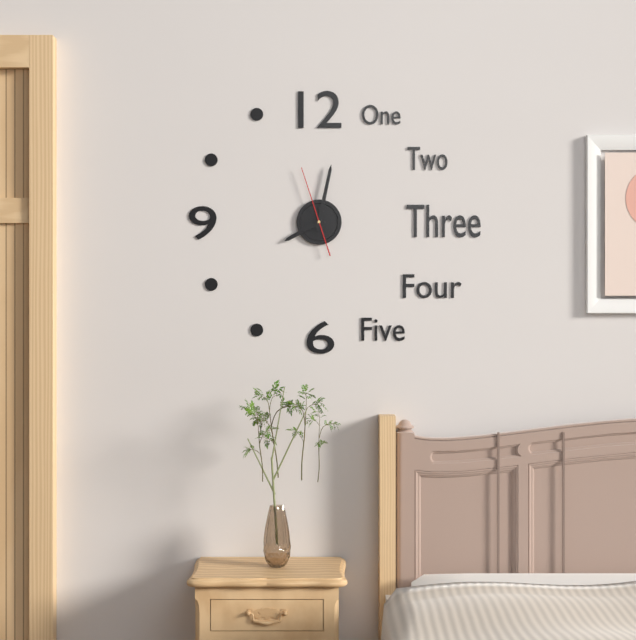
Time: {"hour": 8, "minute": 2, "second": 57}
